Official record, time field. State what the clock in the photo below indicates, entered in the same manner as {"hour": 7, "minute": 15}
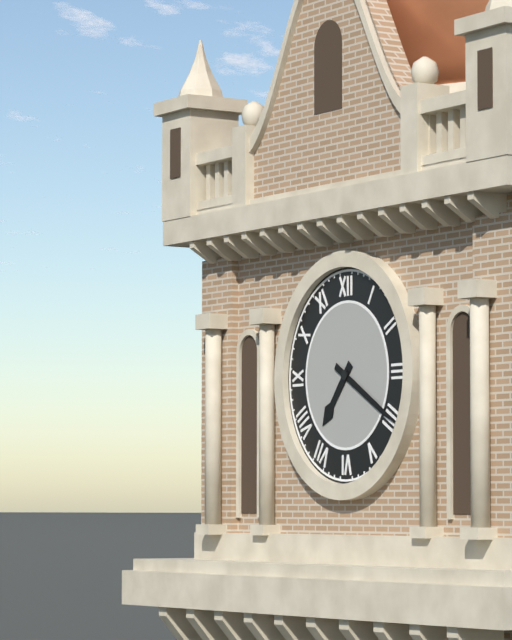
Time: {"hour": 7, "minute": 20}
